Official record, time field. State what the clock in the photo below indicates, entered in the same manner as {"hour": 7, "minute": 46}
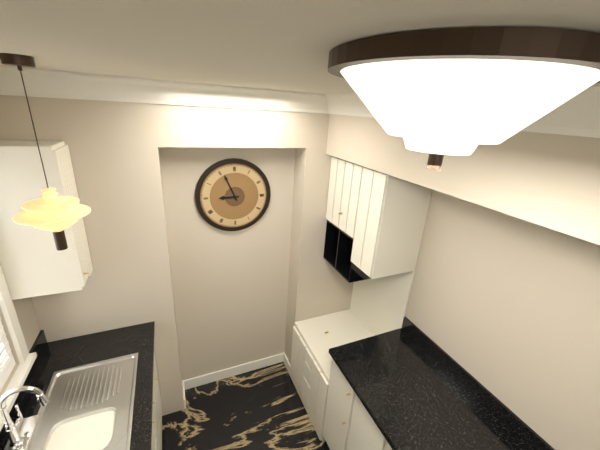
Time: {"hour": 8, "minute": 56}
